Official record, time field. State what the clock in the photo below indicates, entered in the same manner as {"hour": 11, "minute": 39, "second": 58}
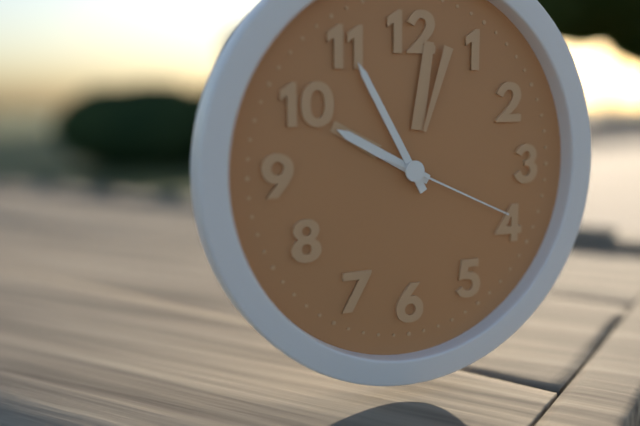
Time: {"hour": 9, "minute": 55, "second": 19}
